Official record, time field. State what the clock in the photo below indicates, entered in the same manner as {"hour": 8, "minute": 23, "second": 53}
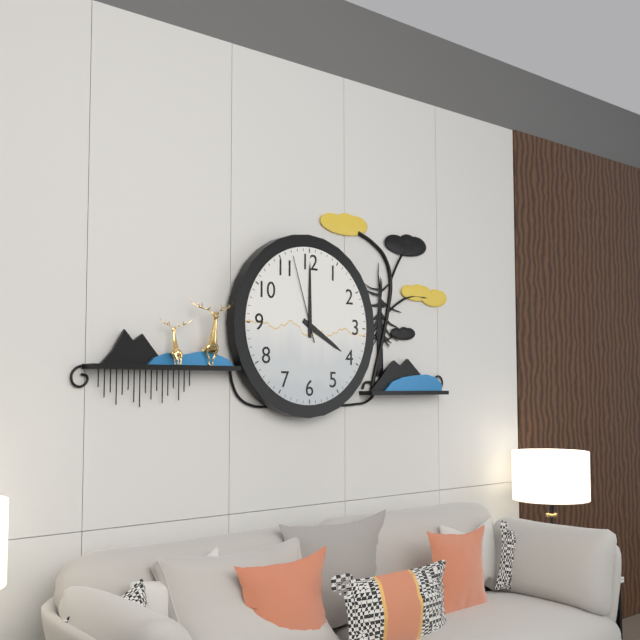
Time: {"hour": 4, "minute": 0, "second": 57}
